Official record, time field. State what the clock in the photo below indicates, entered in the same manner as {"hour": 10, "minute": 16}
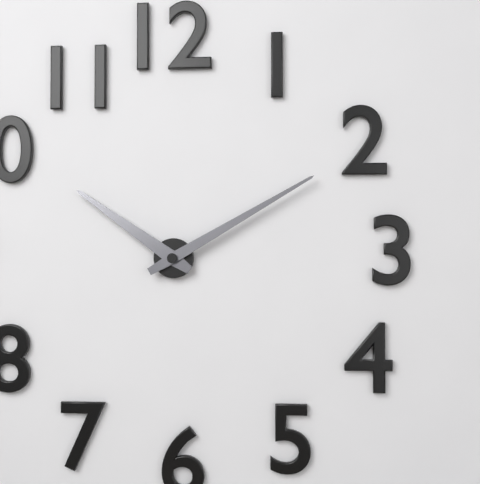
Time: {"hour": 10, "minute": 10}
